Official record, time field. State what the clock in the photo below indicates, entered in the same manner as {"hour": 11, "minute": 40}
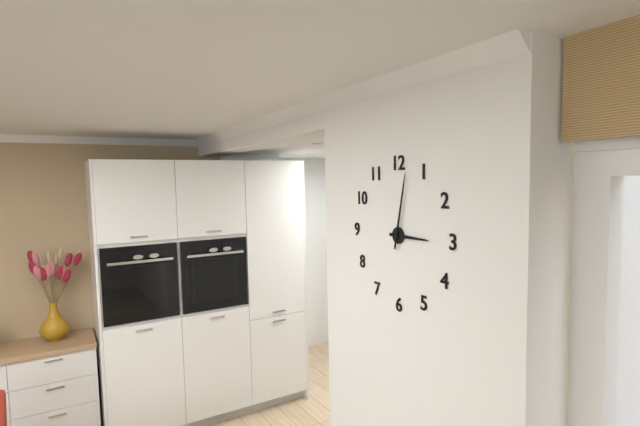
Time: {"hour": 3, "minute": 2}
